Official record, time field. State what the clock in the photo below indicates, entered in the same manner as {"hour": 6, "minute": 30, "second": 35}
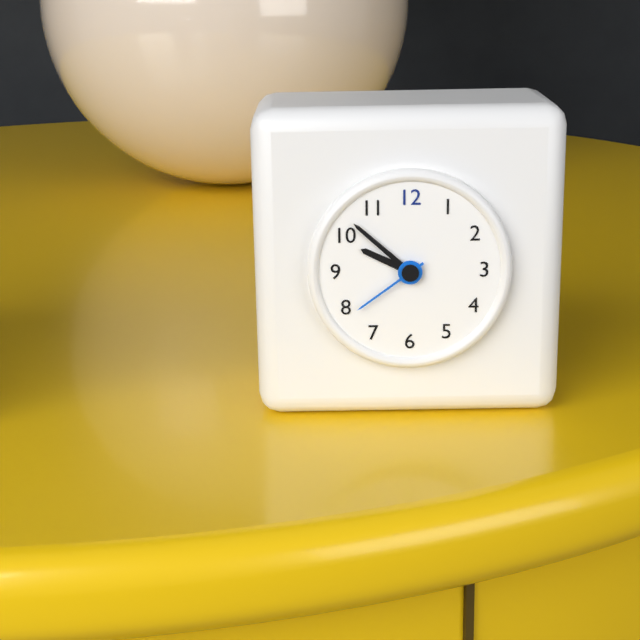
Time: {"hour": 9, "minute": 52, "second": 39}
